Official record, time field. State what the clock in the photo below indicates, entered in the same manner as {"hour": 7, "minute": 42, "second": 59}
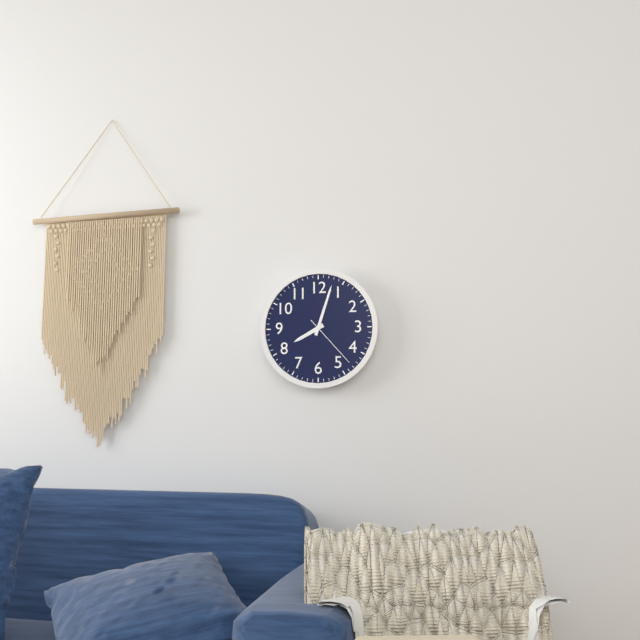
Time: {"hour": 8, "minute": 3, "second": 23}
